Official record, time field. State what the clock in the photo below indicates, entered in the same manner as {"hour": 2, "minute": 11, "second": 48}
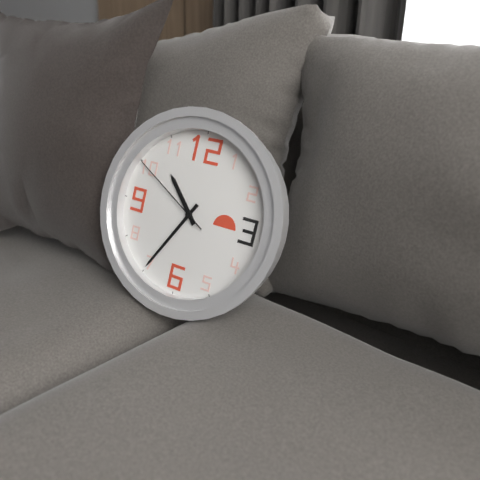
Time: {"hour": 10, "minute": 35, "second": 50}
